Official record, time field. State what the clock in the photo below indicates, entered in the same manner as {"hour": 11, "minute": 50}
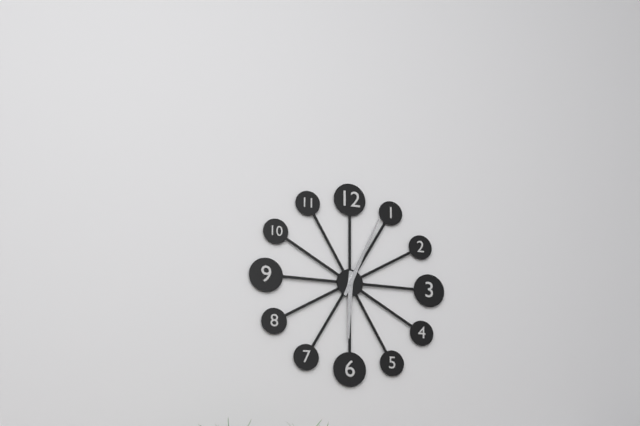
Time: {"hour": 6, "minute": 4}
